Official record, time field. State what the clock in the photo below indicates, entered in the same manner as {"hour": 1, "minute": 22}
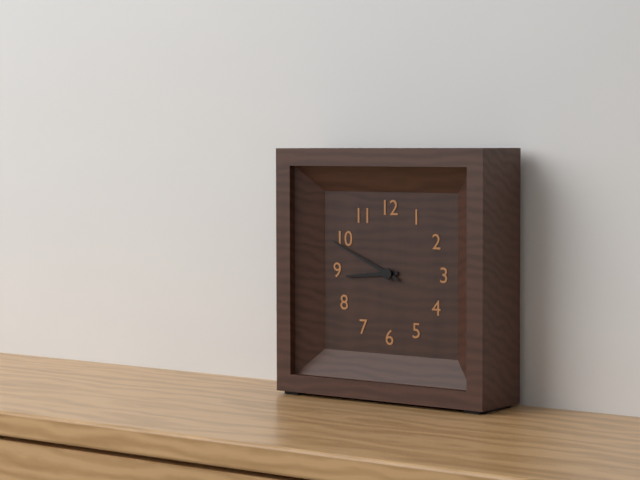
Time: {"hour": 8, "minute": 49}
